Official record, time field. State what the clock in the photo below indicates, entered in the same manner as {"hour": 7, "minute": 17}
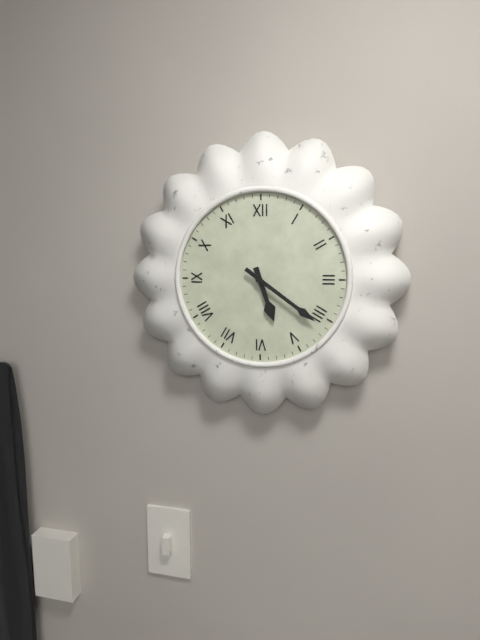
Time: {"hour": 5, "minute": 21}
